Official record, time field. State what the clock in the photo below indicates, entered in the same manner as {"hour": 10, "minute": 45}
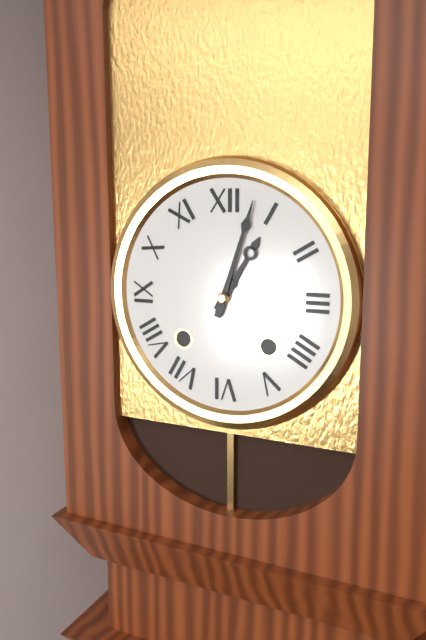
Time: {"hour": 1, "minute": 3}
